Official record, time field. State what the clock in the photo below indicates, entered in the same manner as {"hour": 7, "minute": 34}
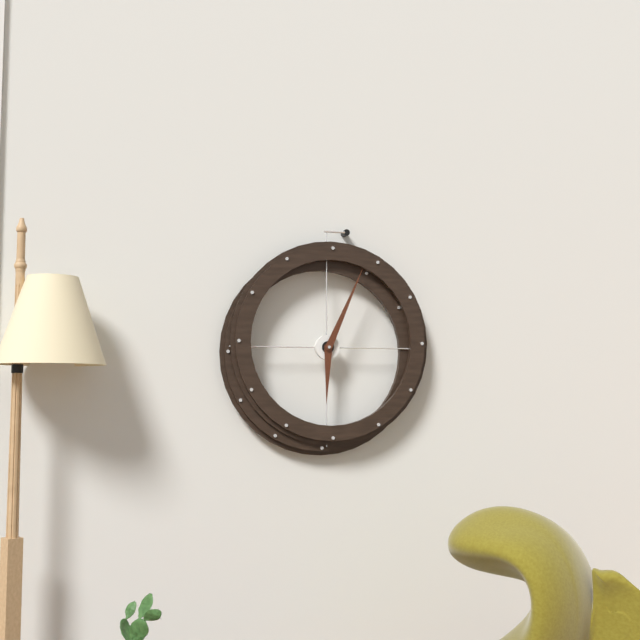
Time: {"hour": 6, "minute": 4}
